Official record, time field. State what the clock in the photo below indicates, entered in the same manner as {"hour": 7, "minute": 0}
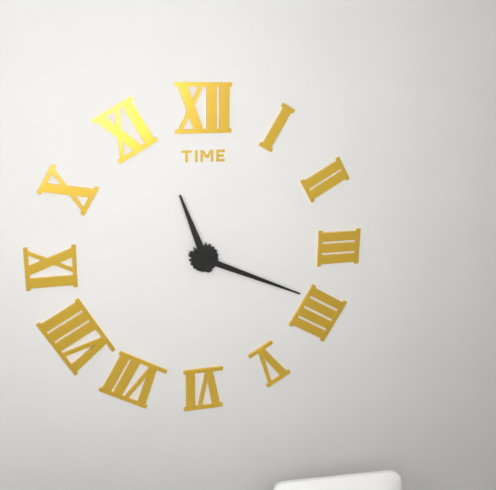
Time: {"hour": 11, "minute": 19}
